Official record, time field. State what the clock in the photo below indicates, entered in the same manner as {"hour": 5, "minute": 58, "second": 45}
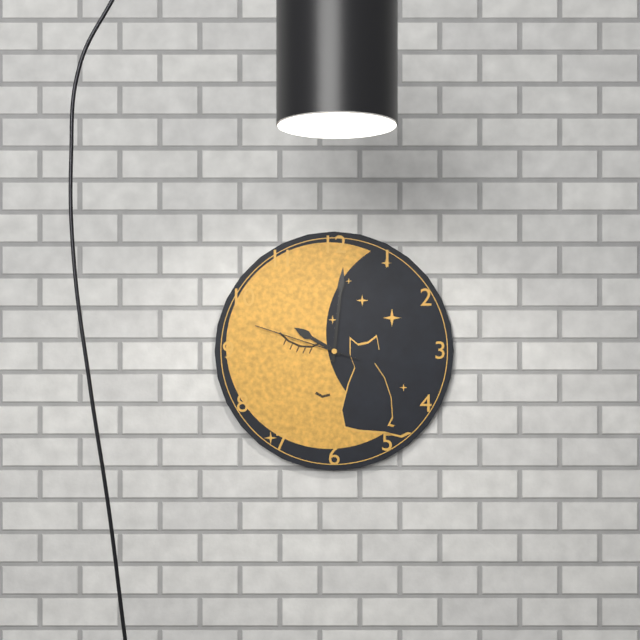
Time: {"hour": 10, "minute": 1, "second": 48}
